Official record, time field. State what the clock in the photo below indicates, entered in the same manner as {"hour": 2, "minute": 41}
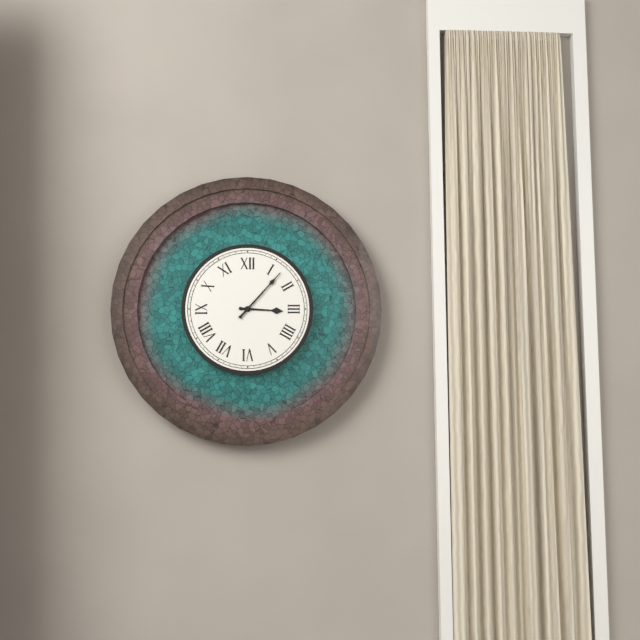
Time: {"hour": 3, "minute": 7}
